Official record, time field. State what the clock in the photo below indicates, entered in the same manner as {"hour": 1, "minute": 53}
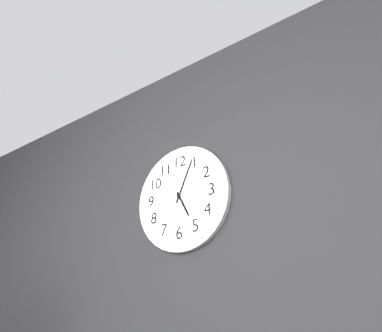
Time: {"hour": 5, "minute": 4}
